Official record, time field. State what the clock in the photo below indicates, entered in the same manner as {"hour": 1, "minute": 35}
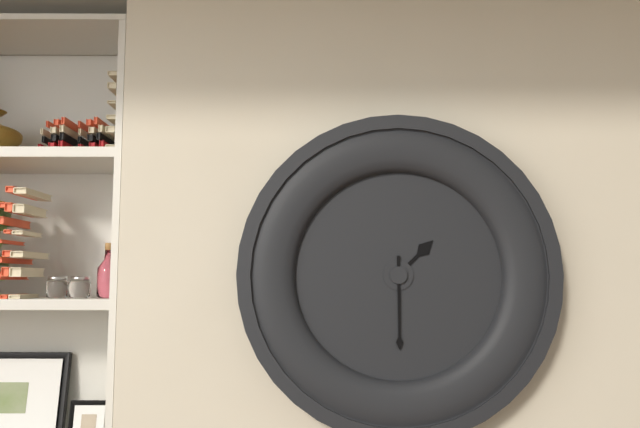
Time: {"hour": 1, "minute": 30}
